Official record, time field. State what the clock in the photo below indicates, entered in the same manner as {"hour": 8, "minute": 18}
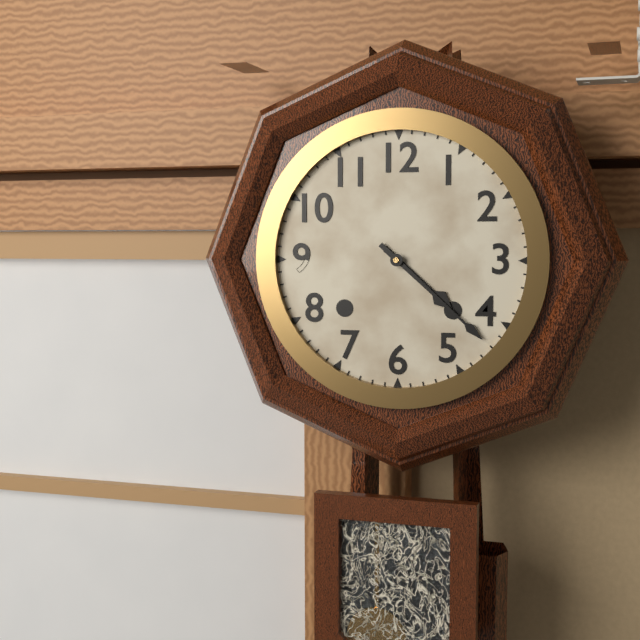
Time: {"hour": 4, "minute": 22}
